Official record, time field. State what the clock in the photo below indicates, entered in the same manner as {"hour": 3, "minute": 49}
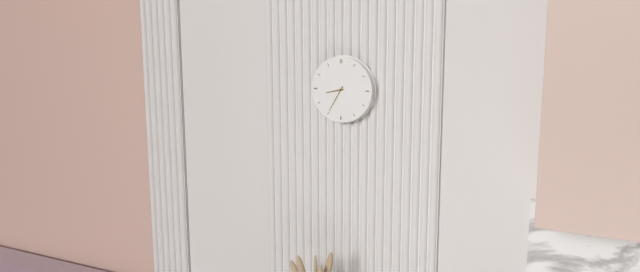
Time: {"hour": 8, "minute": 35}
